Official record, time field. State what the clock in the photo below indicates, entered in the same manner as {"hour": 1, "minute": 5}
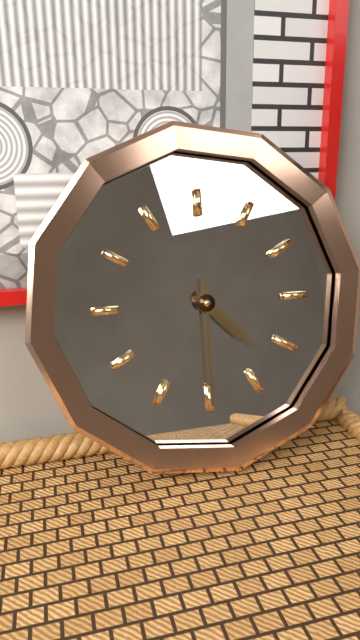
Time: {"hour": 4, "minute": 30}
